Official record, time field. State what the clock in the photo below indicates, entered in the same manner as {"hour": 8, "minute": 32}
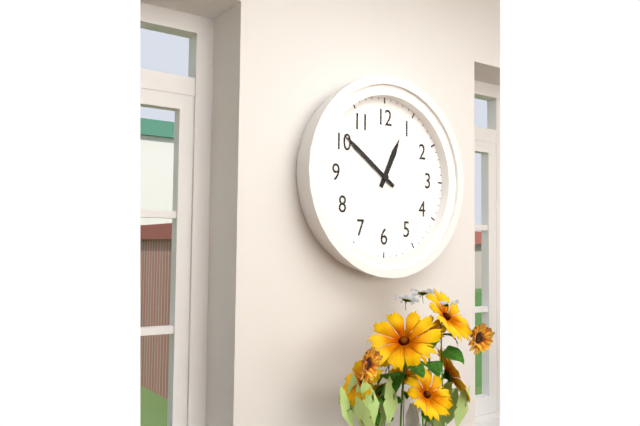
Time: {"hour": 12, "minute": 51}
